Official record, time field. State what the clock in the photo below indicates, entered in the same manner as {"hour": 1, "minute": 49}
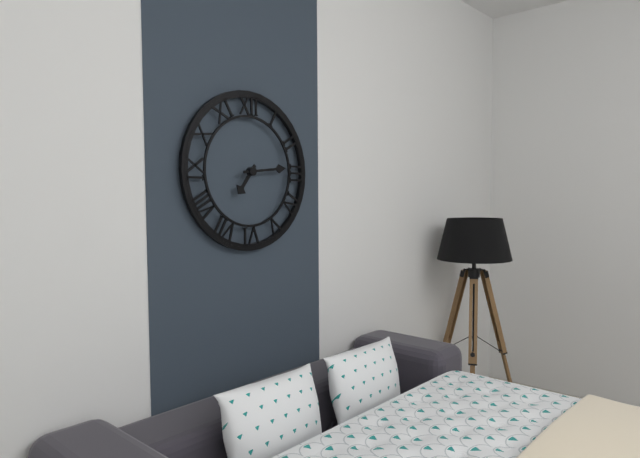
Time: {"hour": 7, "minute": 14}
